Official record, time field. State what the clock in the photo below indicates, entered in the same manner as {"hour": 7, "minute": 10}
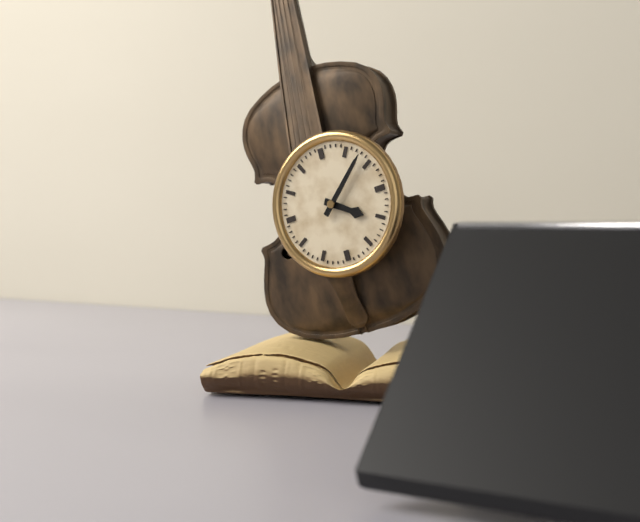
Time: {"hour": 4, "minute": 8}
